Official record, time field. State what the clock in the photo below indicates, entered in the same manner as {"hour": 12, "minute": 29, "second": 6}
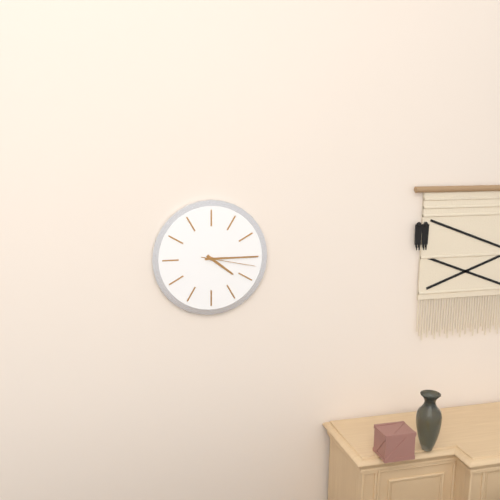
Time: {"hour": 4, "minute": 15, "second": 17}
